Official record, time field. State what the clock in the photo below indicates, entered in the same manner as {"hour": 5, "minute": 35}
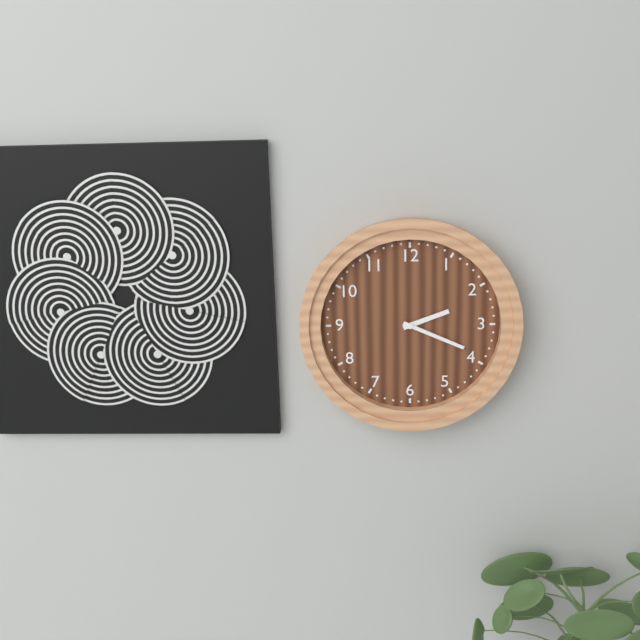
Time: {"hour": 2, "minute": 19}
